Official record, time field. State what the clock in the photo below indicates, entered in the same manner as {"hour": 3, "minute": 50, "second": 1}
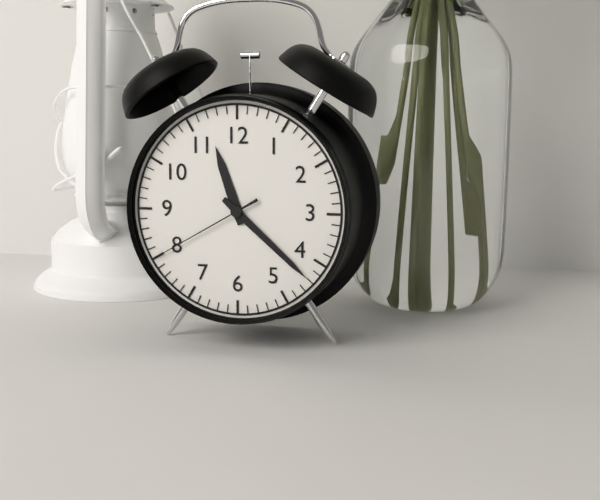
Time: {"hour": 11, "minute": 22, "second": 40}
